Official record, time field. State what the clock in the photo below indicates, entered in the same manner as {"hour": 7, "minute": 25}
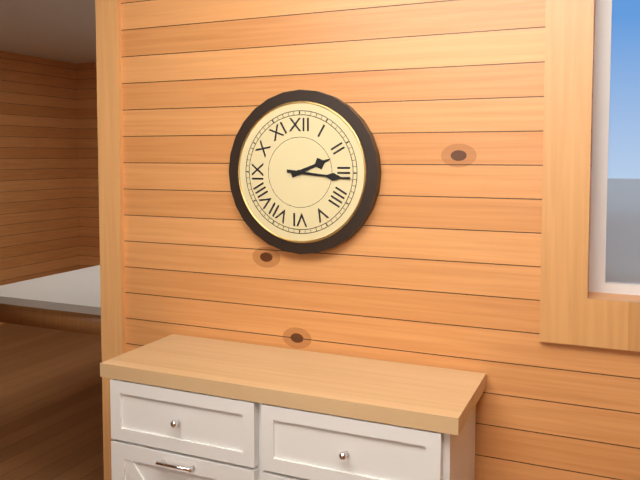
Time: {"hour": 2, "minute": 16}
